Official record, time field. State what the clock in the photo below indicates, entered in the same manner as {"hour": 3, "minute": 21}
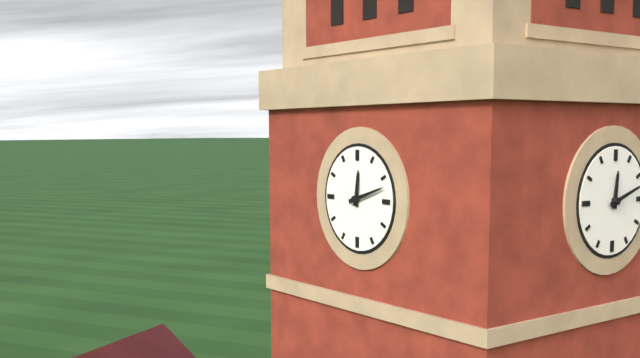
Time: {"hour": 12, "minute": 12}
